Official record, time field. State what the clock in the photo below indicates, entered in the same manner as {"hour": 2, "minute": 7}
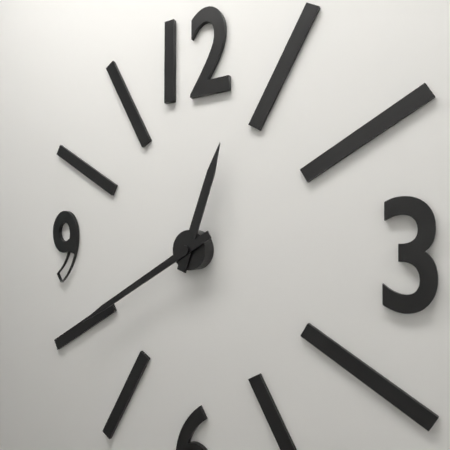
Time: {"hour": 12, "minute": 40}
